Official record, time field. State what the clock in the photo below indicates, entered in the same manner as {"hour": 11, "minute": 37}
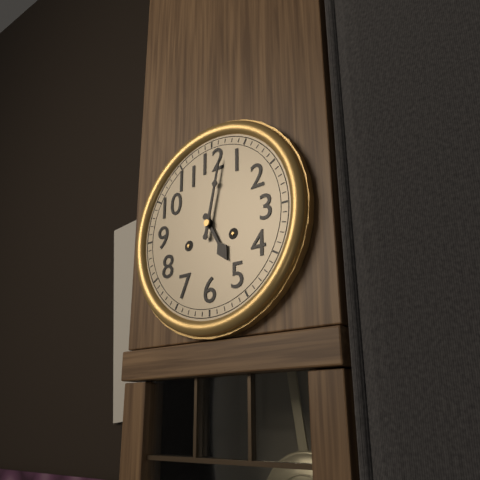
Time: {"hour": 5, "minute": 2}
